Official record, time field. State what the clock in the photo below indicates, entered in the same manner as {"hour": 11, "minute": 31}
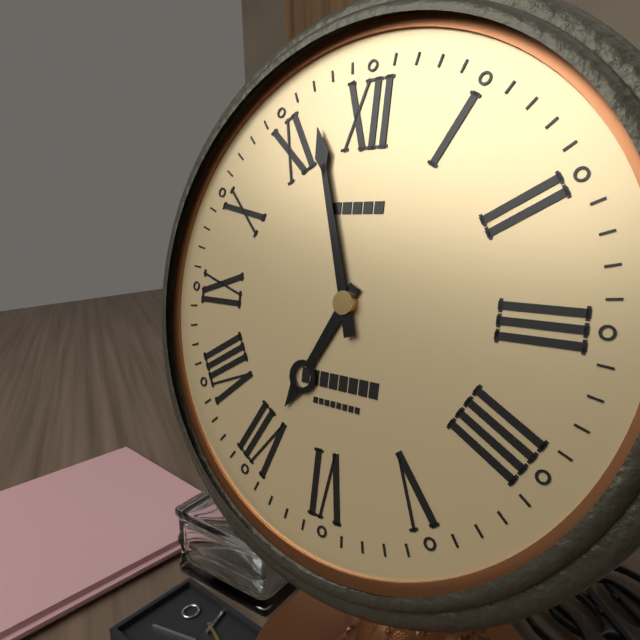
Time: {"hour": 6, "minute": 57}
